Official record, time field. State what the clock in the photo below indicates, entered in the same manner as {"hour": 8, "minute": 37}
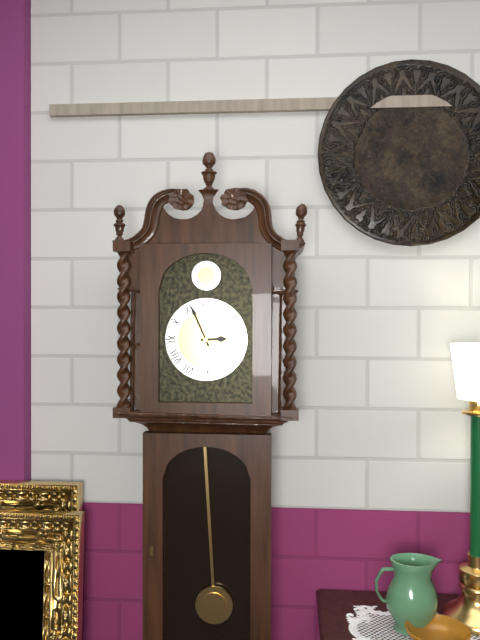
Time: {"hour": 2, "minute": 56}
